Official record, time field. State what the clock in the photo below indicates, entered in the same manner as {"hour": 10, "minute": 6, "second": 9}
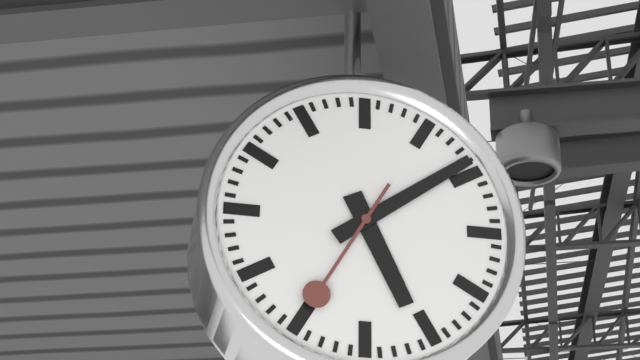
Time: {"hour": 5, "minute": 9, "second": 35}
